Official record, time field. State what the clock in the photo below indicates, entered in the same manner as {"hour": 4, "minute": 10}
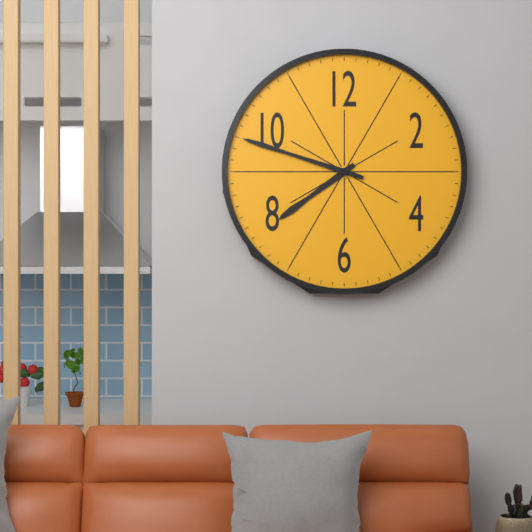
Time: {"hour": 7, "minute": 48}
